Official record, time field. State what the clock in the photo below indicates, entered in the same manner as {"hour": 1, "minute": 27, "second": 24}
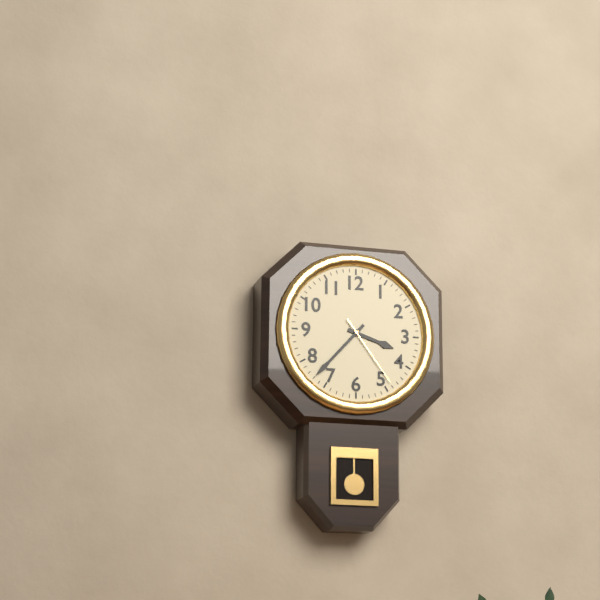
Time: {"hour": 3, "minute": 37, "second": 24}
